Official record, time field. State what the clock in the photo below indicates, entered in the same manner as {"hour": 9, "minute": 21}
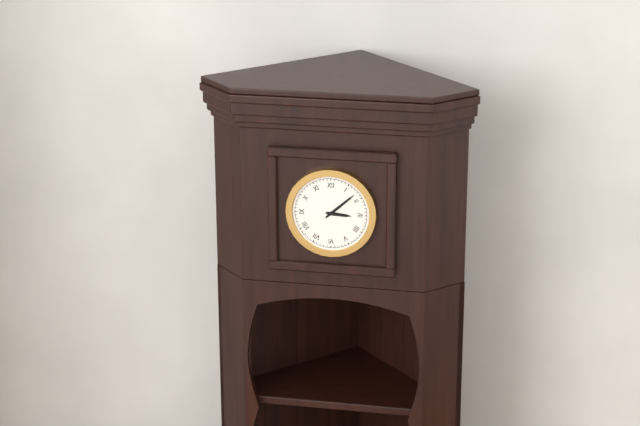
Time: {"hour": 3, "minute": 8}
